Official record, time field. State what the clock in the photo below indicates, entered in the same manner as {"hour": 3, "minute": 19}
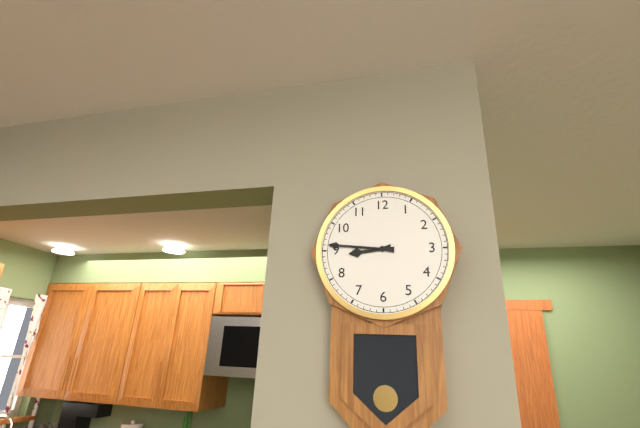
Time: {"hour": 8, "minute": 46}
